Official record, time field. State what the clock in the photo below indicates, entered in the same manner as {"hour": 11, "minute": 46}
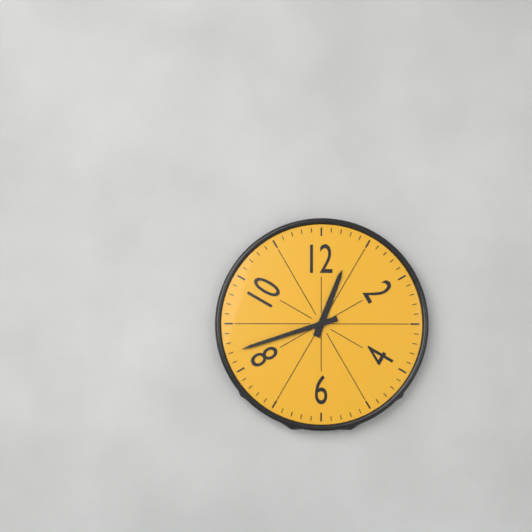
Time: {"hour": 12, "minute": 42}
